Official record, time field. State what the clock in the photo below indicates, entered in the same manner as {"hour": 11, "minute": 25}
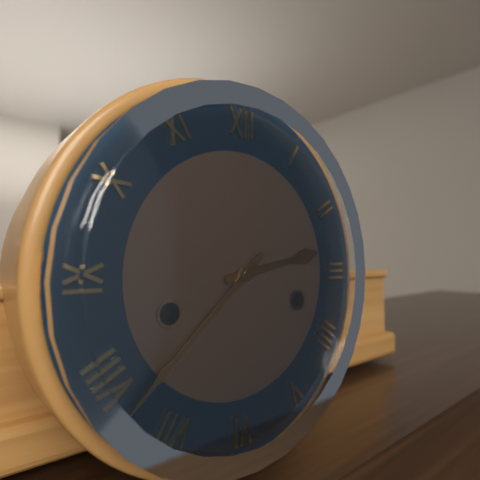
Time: {"hour": 2, "minute": 38}
